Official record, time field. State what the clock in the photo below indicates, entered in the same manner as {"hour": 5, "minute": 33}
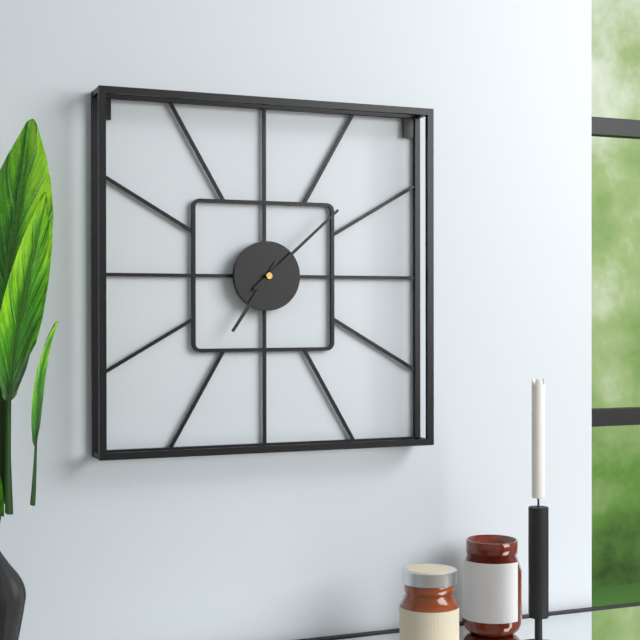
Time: {"hour": 7, "minute": 8}
